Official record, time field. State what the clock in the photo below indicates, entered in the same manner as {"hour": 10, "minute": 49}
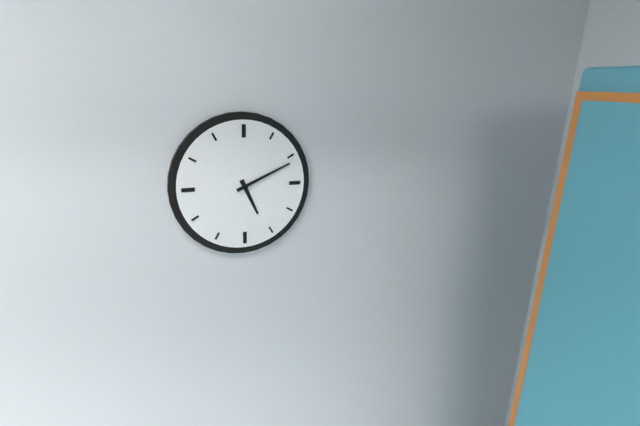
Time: {"hour": 5, "minute": 11}
